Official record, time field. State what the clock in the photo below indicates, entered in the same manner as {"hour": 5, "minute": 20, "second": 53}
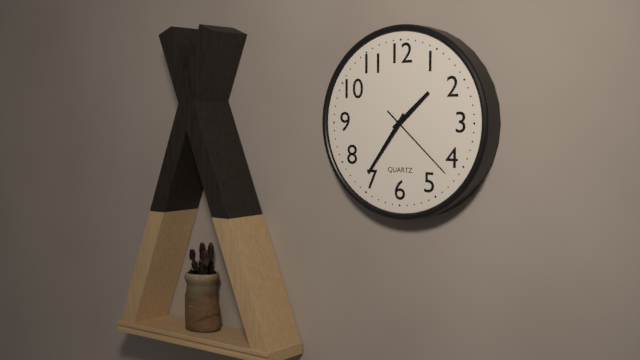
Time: {"hour": 1, "minute": 36, "second": 22}
